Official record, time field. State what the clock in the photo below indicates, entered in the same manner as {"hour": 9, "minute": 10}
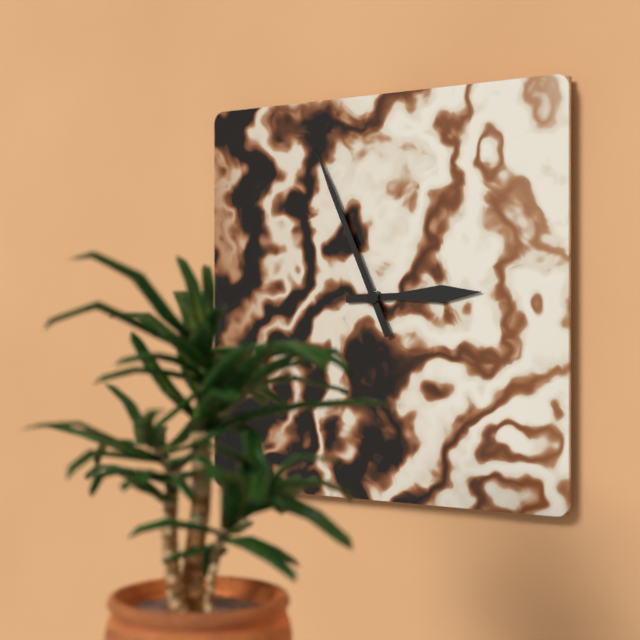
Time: {"hour": 2, "minute": 56}
